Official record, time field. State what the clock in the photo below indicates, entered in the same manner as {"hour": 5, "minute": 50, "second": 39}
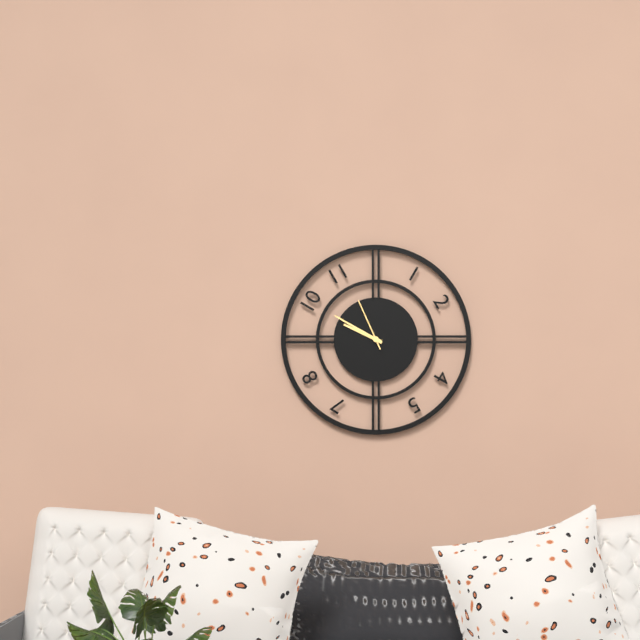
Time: {"hour": 9, "minute": 50, "second": 56}
